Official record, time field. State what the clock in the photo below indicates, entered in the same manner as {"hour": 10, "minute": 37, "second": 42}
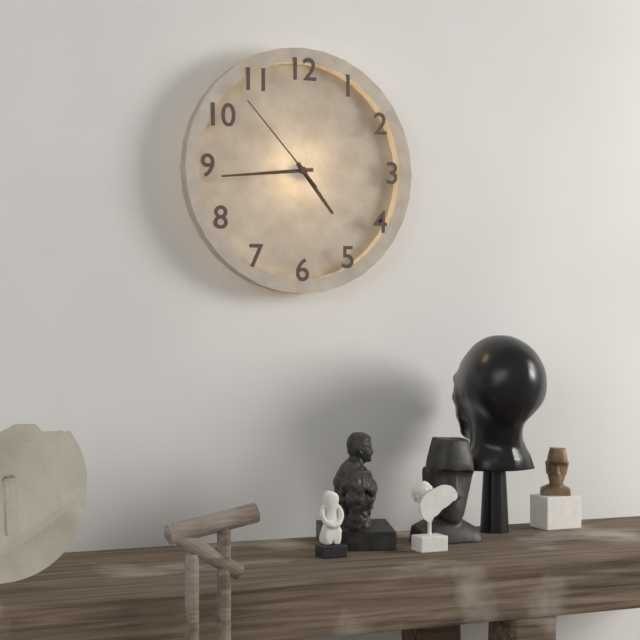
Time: {"hour": 4, "minute": 44, "second": 53}
